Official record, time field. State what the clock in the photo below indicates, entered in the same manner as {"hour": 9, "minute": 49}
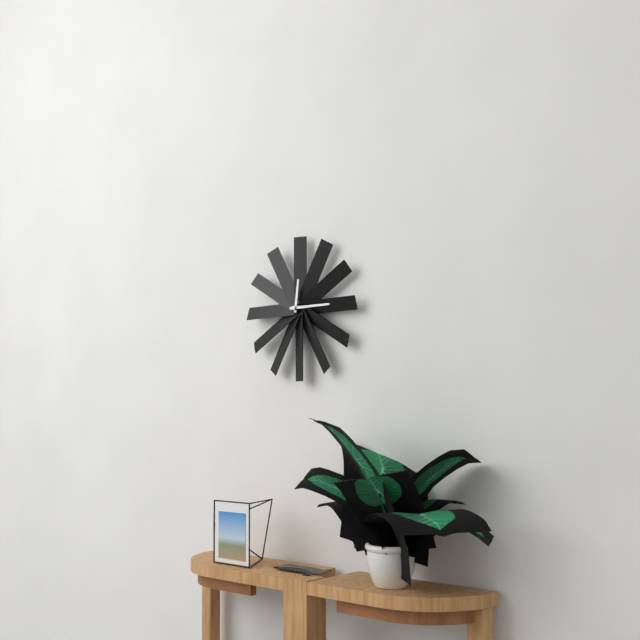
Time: {"hour": 12, "minute": 15}
